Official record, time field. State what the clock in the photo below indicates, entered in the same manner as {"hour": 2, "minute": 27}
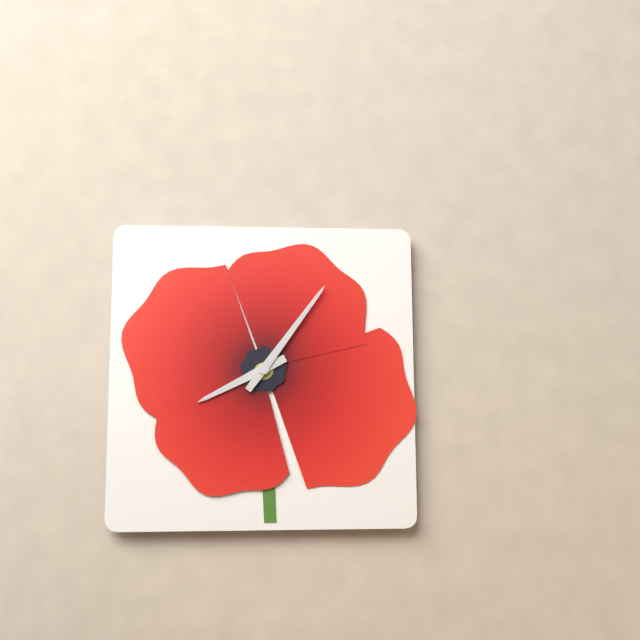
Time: {"hour": 8, "minute": 6}
